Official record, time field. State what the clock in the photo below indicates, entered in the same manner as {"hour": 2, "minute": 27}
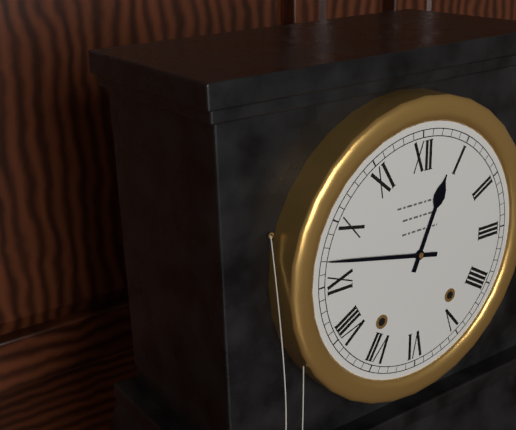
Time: {"hour": 12, "minute": 47}
